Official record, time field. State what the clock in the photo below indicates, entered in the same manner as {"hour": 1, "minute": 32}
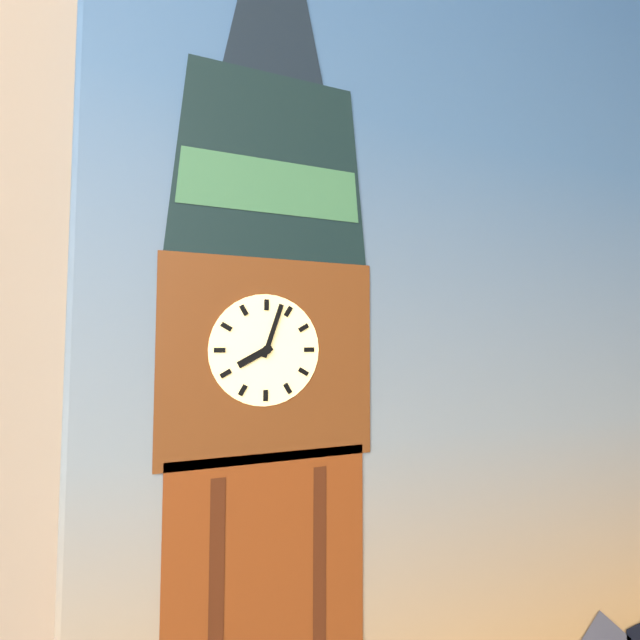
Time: {"hour": 8, "minute": 3}
